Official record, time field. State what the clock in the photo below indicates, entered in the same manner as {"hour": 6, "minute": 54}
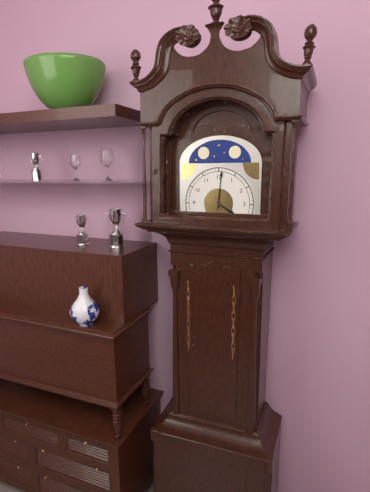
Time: {"hour": 4, "minute": 1}
